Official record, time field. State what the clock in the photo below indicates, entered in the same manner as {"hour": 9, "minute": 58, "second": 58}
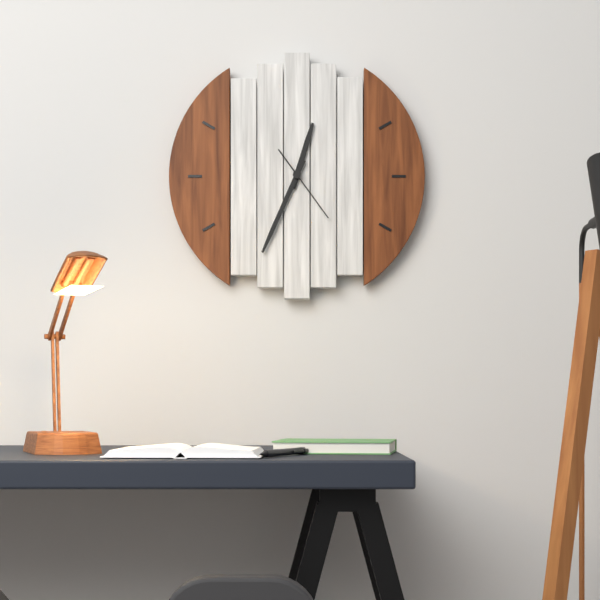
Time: {"hour": 12, "minute": 34, "second": 24}
